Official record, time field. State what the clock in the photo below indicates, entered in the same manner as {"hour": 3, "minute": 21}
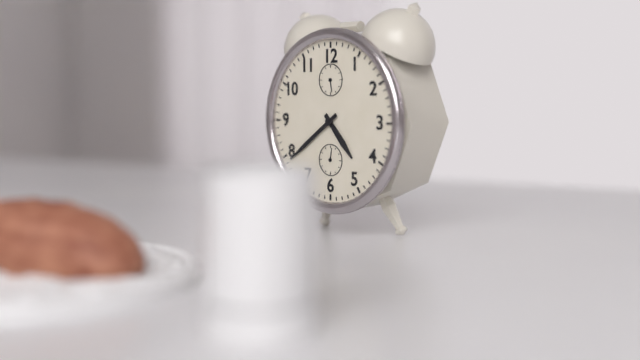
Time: {"hour": 4, "minute": 39}
